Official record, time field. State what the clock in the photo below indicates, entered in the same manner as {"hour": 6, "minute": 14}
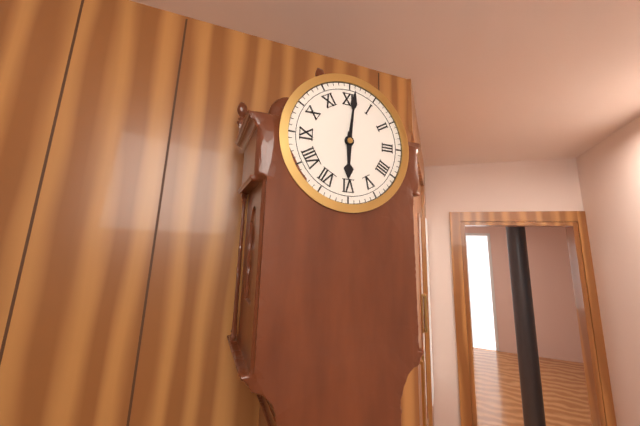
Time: {"hour": 6, "minute": 1}
